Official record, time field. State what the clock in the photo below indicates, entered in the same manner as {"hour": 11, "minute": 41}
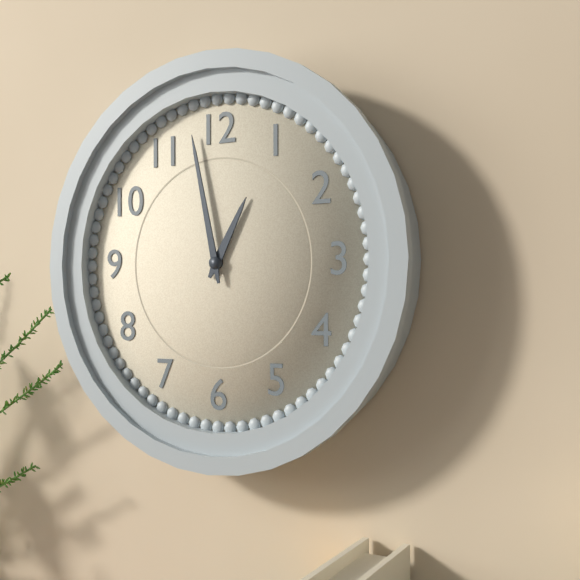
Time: {"hour": 12, "minute": 58}
